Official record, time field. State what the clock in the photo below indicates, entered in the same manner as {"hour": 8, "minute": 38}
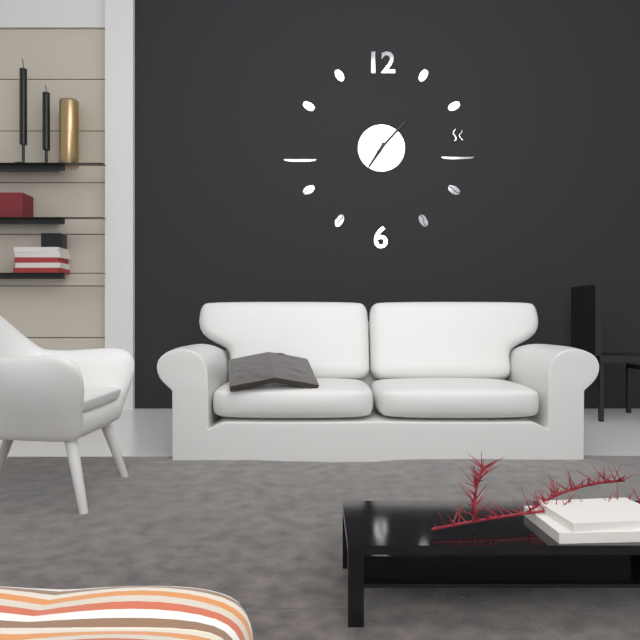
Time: {"hour": 7, "minute": 7}
